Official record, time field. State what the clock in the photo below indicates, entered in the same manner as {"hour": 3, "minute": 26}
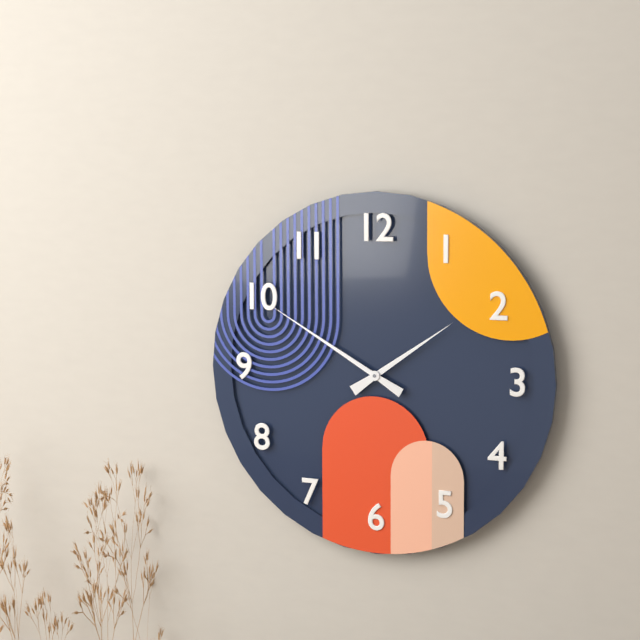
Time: {"hour": 1, "minute": 50}
